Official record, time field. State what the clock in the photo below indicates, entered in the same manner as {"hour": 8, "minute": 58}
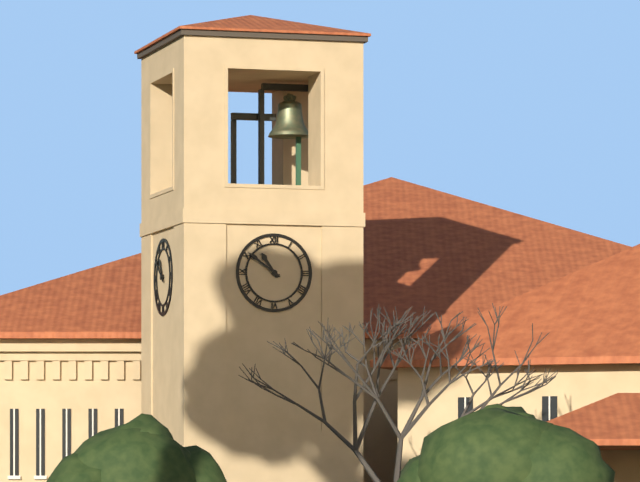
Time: {"hour": 10, "minute": 51}
